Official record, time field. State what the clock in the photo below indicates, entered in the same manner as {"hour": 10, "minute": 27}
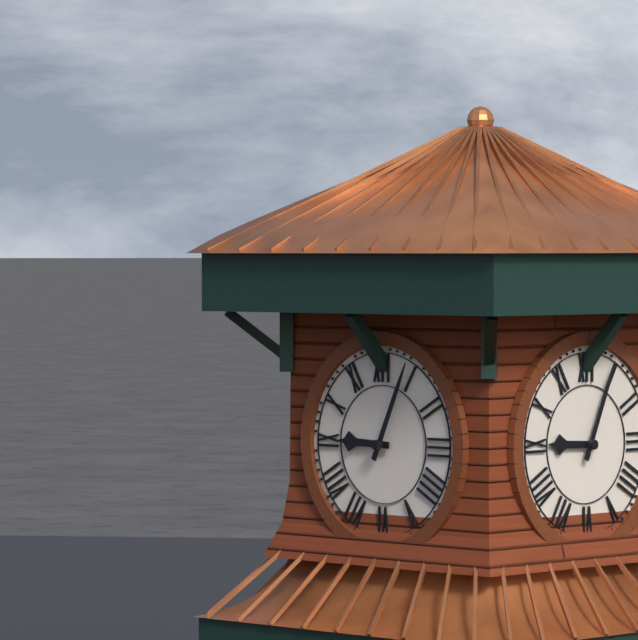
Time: {"hour": 9, "minute": 4}
